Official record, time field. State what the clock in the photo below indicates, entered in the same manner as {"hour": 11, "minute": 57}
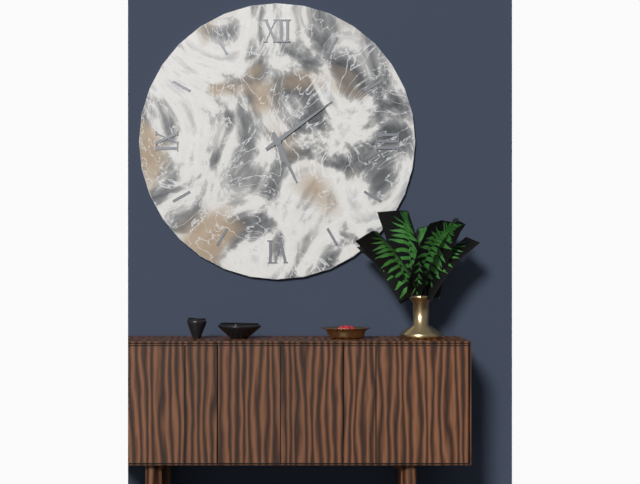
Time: {"hour": 5, "minute": 9}
